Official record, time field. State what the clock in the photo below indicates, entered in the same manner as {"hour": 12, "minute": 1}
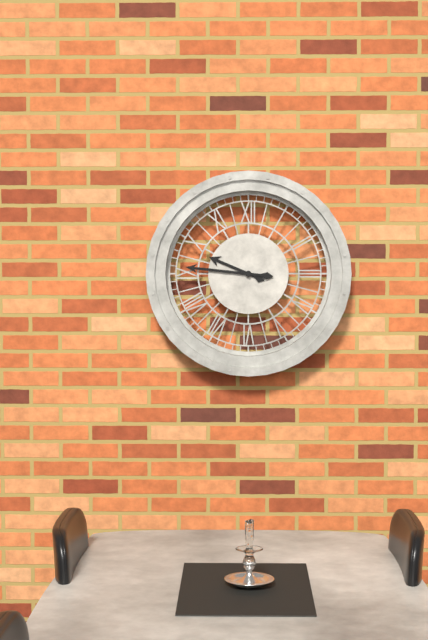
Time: {"hour": 9, "minute": 46}
